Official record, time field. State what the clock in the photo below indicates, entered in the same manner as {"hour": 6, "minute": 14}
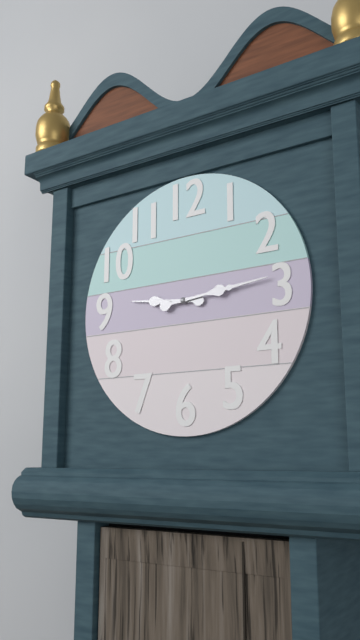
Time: {"hour": 9, "minute": 14}
